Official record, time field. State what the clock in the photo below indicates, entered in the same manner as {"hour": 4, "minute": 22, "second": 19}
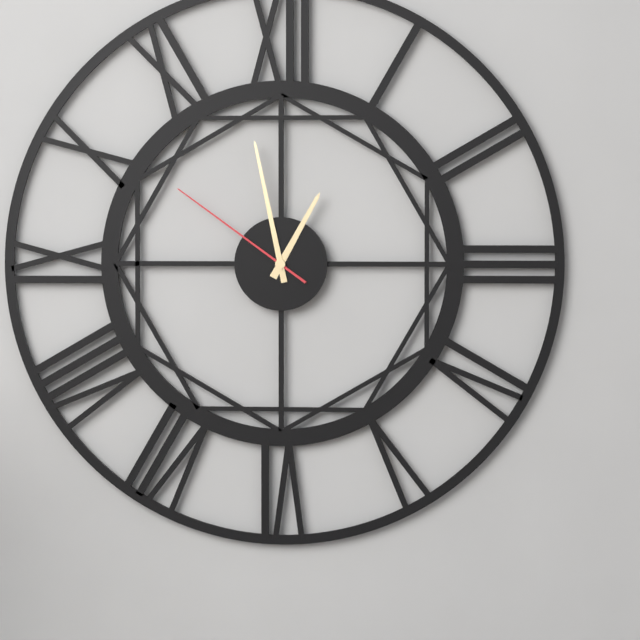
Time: {"hour": 12, "minute": 58, "second": 51}
